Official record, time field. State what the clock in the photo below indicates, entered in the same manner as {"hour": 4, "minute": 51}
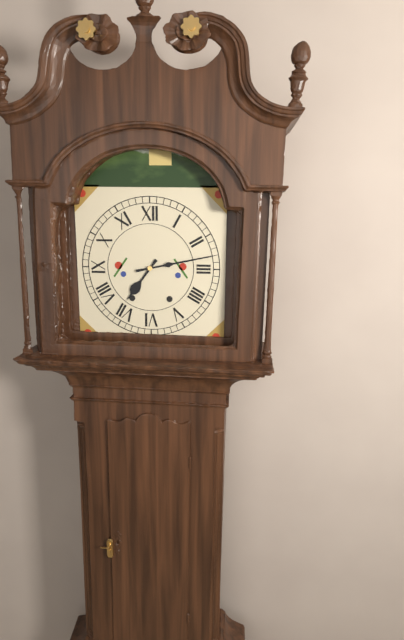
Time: {"hour": 7, "minute": 13}
